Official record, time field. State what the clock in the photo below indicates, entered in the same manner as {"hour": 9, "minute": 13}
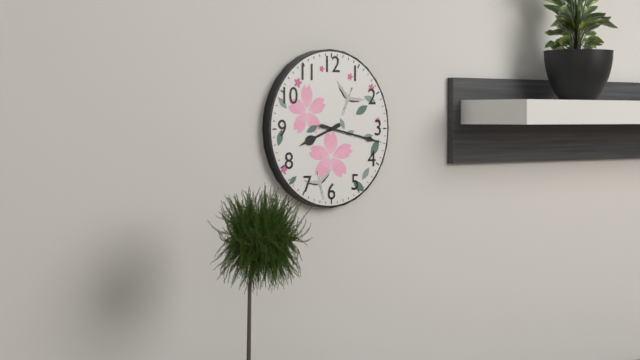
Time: {"hour": 8, "minute": 17}
